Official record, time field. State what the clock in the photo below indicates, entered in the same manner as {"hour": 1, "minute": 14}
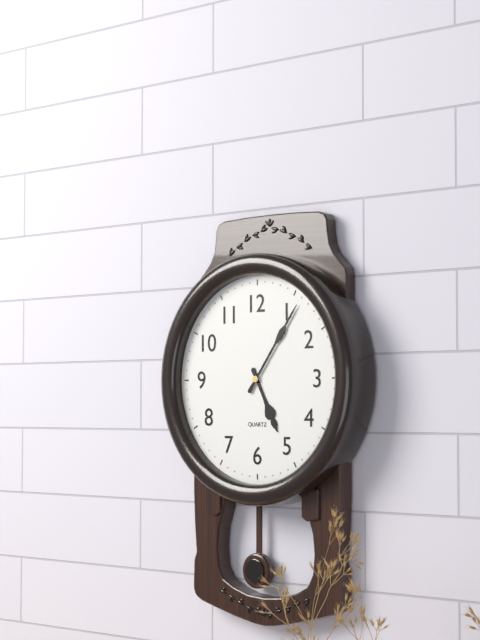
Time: {"hour": 5, "minute": 6}
